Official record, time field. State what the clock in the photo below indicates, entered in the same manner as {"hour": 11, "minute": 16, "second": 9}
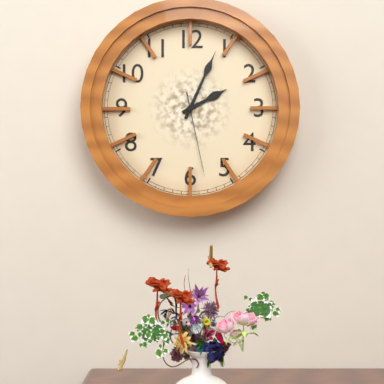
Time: {"hour": 2, "minute": 4, "second": 28}
